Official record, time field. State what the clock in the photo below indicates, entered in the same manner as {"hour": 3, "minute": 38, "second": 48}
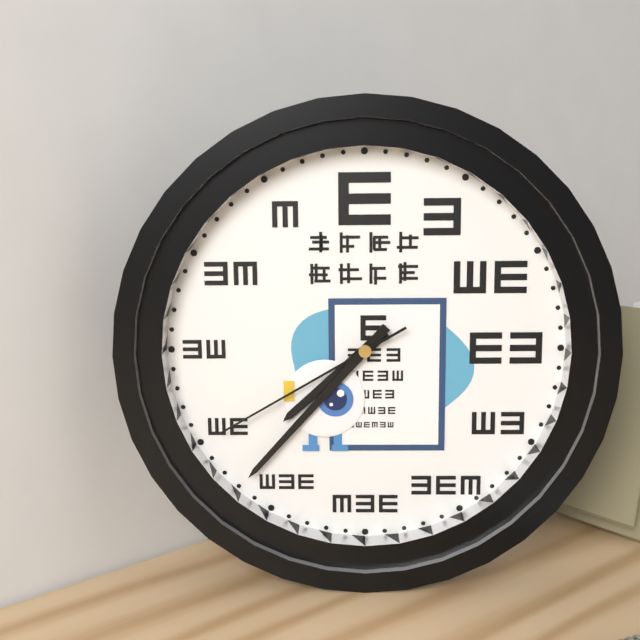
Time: {"hour": 7, "minute": 37, "second": 40}
